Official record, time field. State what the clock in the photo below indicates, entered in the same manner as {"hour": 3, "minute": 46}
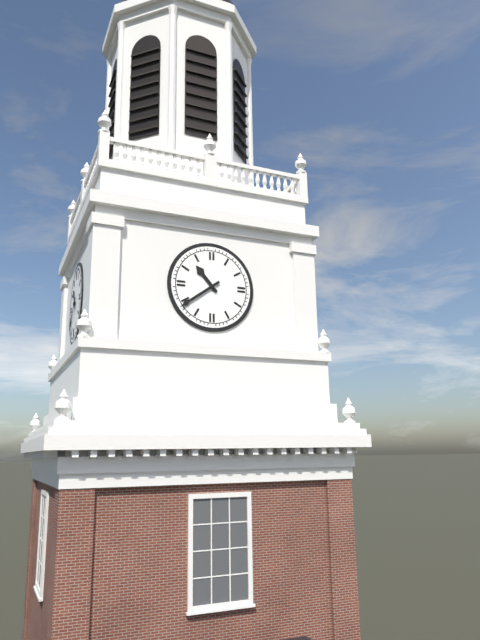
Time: {"hour": 10, "minute": 39}
